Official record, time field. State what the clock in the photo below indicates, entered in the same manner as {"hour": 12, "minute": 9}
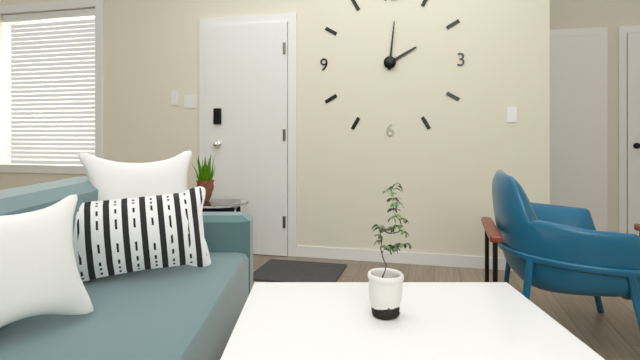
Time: {"hour": 2, "minute": 1}
